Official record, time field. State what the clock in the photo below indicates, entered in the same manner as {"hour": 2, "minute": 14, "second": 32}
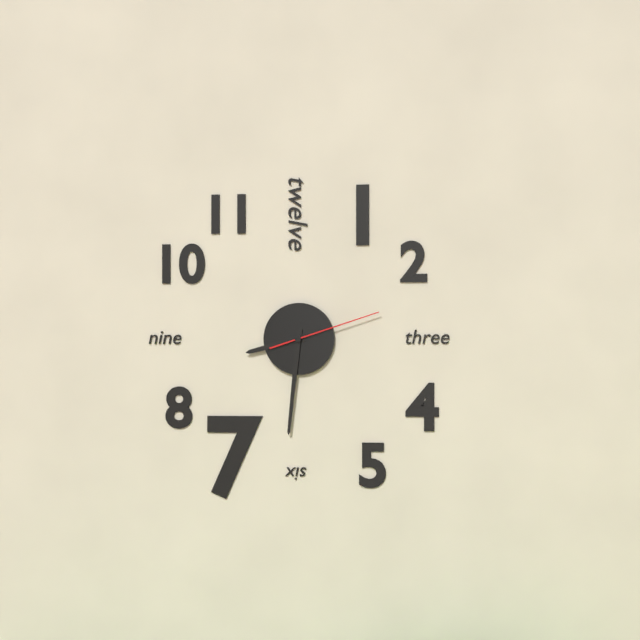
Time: {"hour": 8, "minute": 31, "second": 12}
